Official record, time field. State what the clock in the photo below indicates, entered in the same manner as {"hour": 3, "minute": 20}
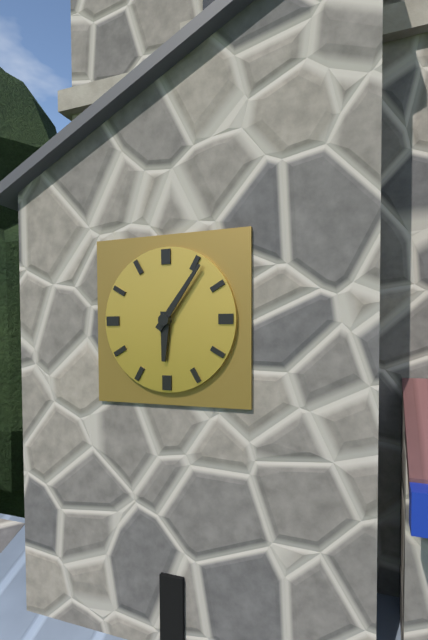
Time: {"hour": 6, "minute": 6}
